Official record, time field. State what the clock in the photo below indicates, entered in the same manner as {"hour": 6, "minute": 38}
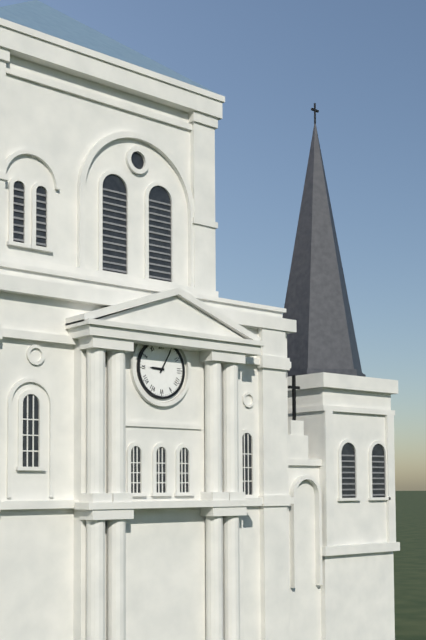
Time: {"hour": 9, "minute": 5}
